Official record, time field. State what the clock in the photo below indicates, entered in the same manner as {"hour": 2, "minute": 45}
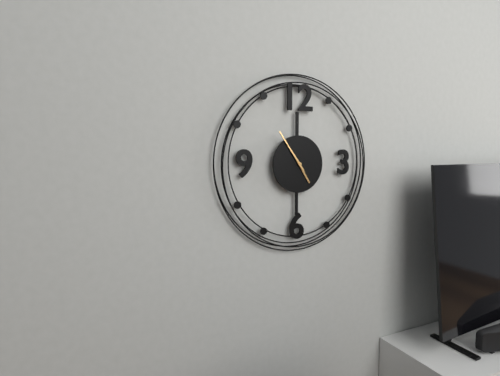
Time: {"hour": 4, "minute": 54}
